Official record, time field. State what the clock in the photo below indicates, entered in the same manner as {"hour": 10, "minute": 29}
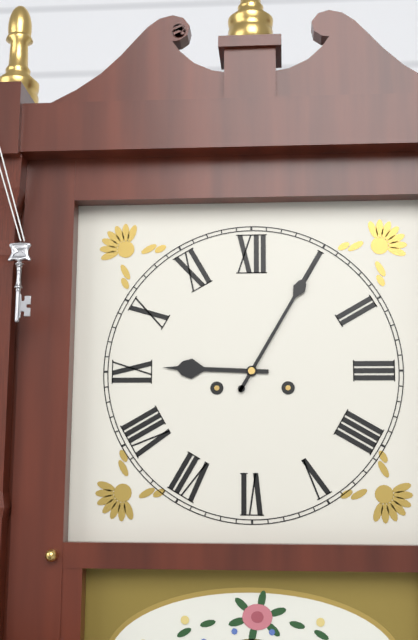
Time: {"hour": 9, "minute": 5}
